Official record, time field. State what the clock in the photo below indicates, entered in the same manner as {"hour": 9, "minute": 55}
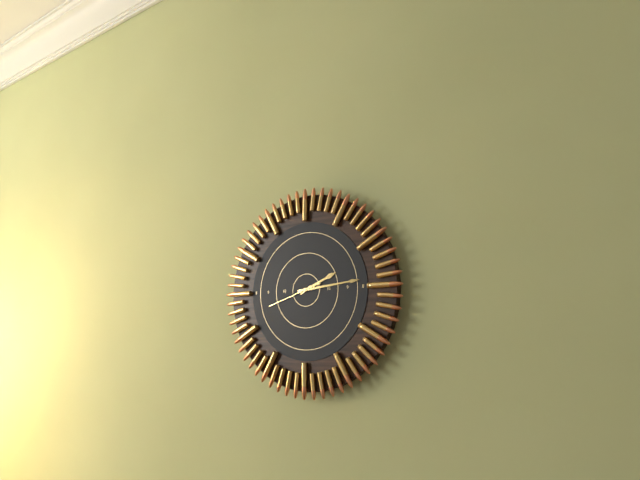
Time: {"hour": 2, "minute": 14}
